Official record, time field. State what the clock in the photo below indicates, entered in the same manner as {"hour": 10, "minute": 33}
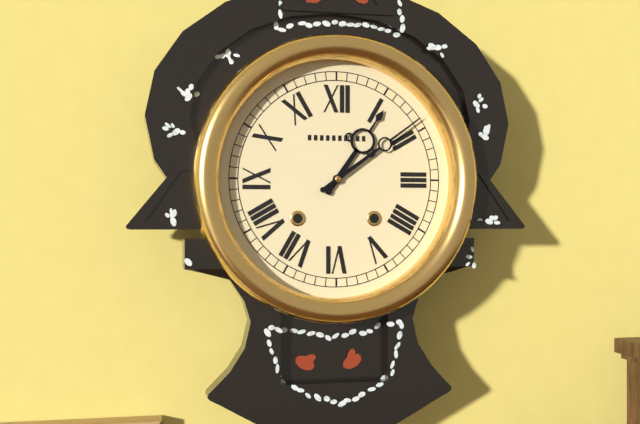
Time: {"hour": 1, "minute": 9}
